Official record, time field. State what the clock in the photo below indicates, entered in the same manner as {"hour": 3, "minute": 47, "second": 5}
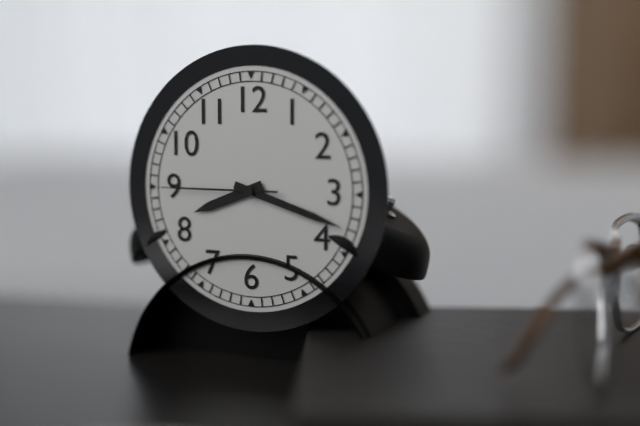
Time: {"hour": 8, "minute": 18, "second": 45}
